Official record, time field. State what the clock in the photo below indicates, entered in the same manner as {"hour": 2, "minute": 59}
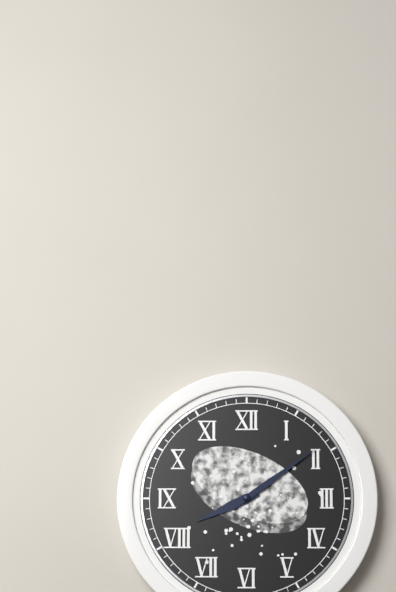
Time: {"hour": 8, "minute": 9}
